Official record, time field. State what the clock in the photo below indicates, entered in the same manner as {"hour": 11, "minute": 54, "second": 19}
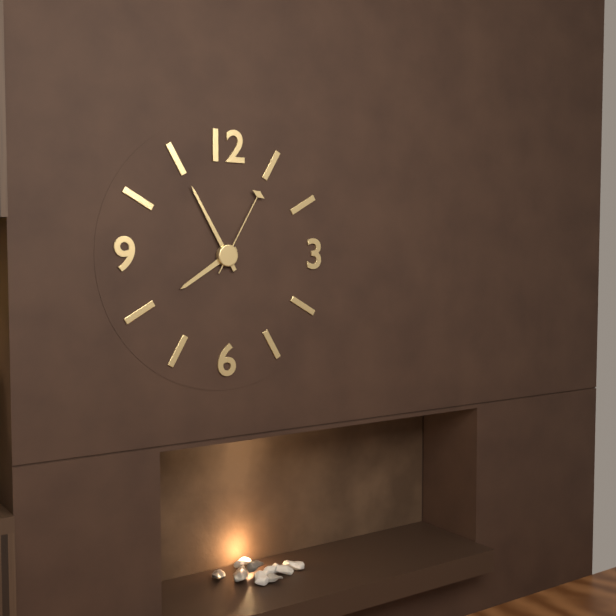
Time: {"hour": 7, "minute": 55, "second": 5}
